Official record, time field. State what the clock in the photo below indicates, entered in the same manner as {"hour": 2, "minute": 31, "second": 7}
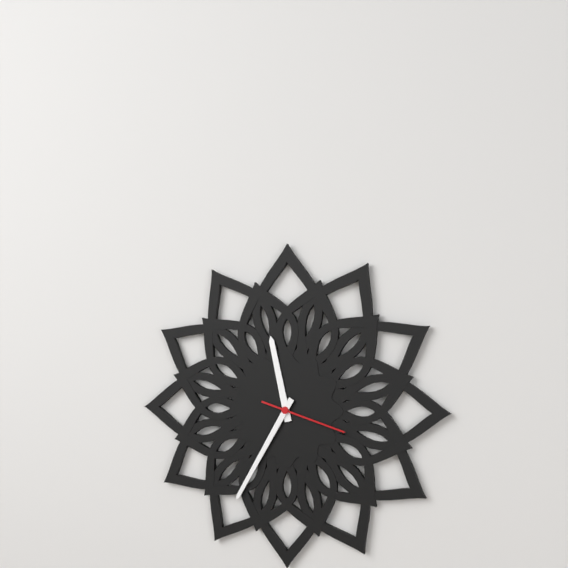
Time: {"hour": 11, "minute": 35, "second": 18}
